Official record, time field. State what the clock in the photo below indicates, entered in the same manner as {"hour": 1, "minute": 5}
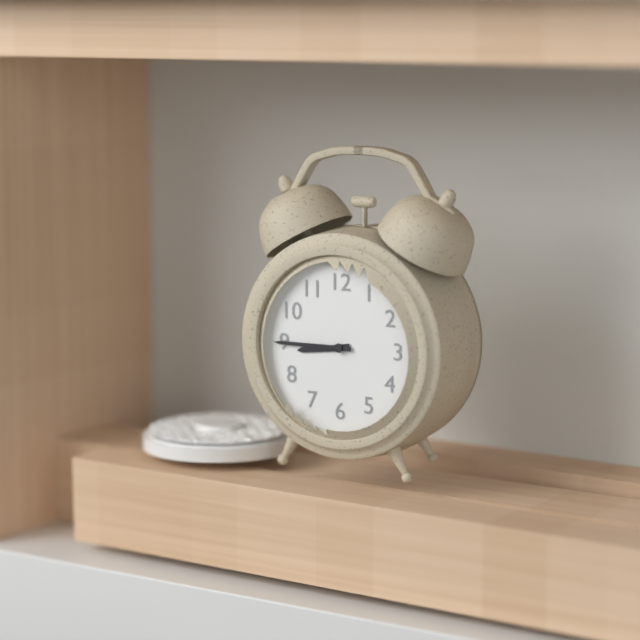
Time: {"hour": 8, "minute": 45}
